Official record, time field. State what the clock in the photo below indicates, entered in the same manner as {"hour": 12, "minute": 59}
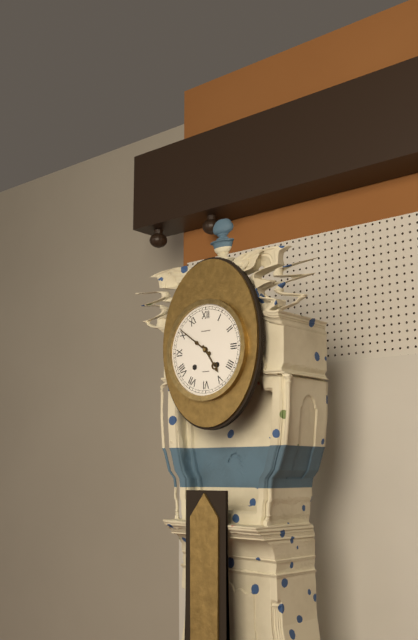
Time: {"hour": 4, "minute": 51}
